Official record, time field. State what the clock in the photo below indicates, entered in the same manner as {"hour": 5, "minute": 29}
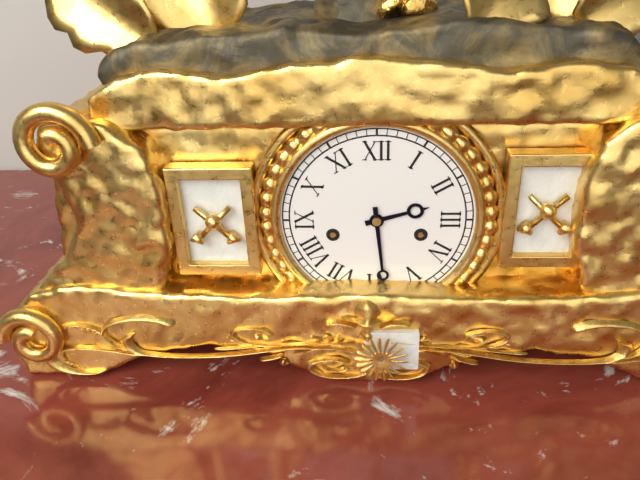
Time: {"hour": 2, "minute": 29}
